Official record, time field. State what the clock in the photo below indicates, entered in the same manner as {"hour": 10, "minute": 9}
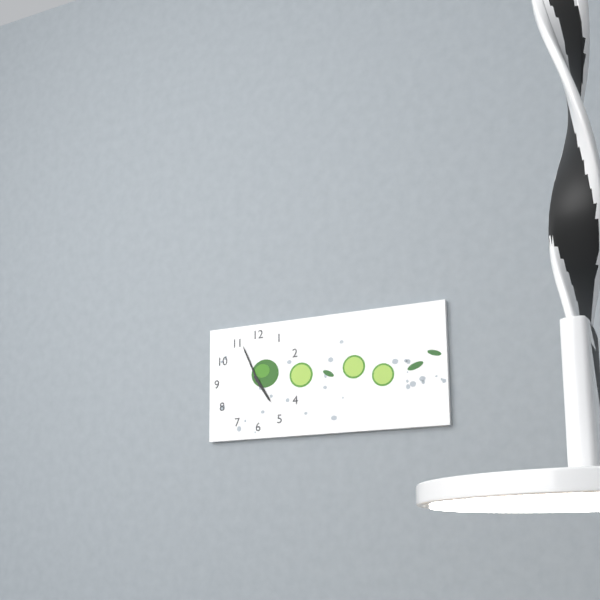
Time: {"hour": 4, "minute": 56}
